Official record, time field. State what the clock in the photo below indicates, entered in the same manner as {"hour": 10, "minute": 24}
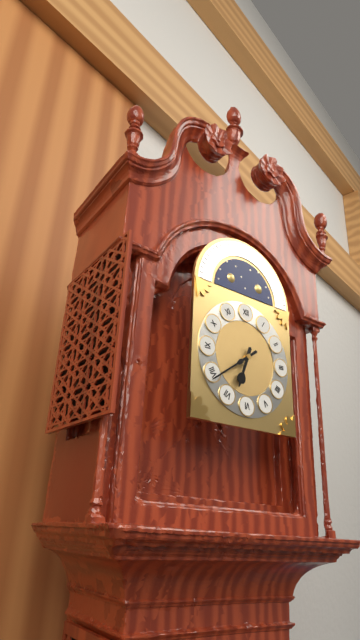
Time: {"hour": 6, "minute": 39}
